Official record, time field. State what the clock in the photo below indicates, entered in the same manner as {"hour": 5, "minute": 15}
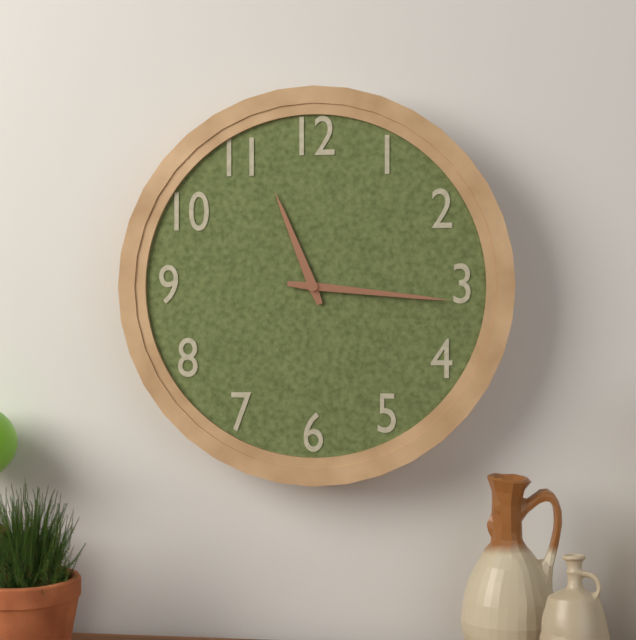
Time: {"hour": 11, "minute": 16}
